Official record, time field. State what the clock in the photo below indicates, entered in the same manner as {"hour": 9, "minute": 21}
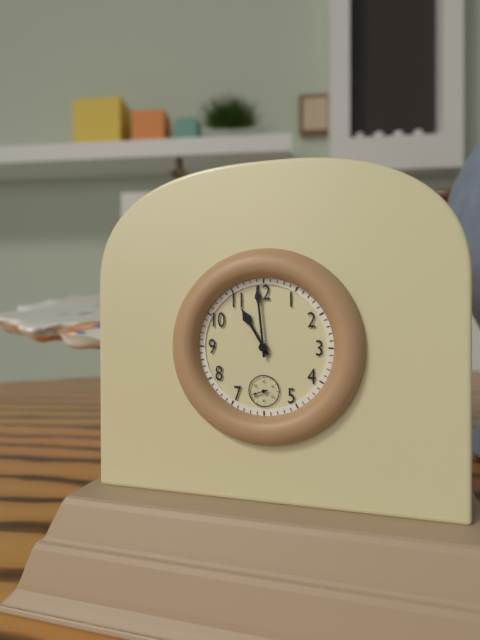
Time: {"hour": 10, "minute": 59}
